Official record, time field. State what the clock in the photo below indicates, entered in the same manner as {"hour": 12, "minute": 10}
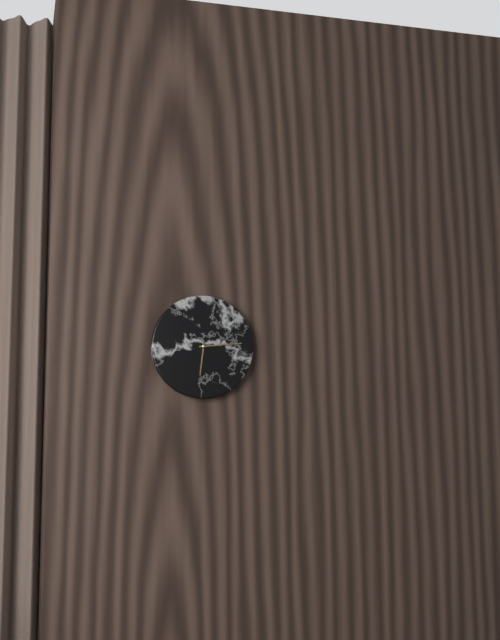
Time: {"hour": 6, "minute": 14}
